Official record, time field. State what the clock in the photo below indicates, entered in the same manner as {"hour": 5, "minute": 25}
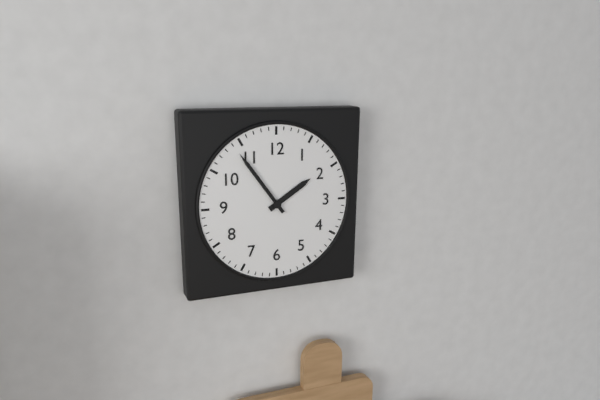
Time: {"hour": 1, "minute": 54}
